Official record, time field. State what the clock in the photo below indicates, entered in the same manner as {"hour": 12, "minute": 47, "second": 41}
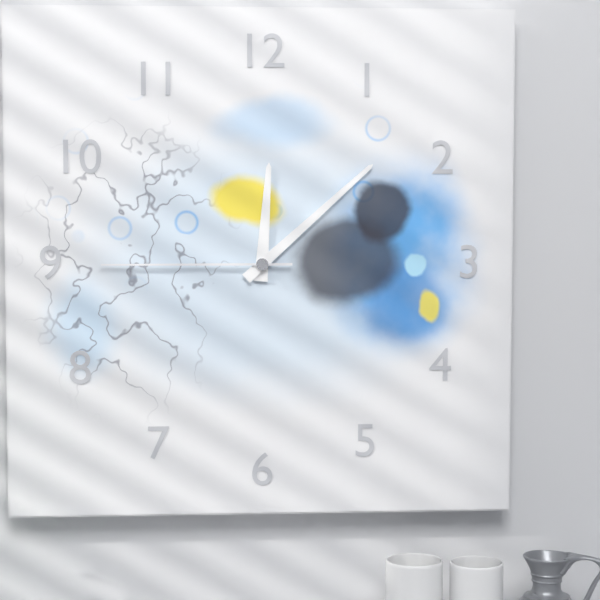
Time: {"hour": 12, "minute": 8, "second": 45}
